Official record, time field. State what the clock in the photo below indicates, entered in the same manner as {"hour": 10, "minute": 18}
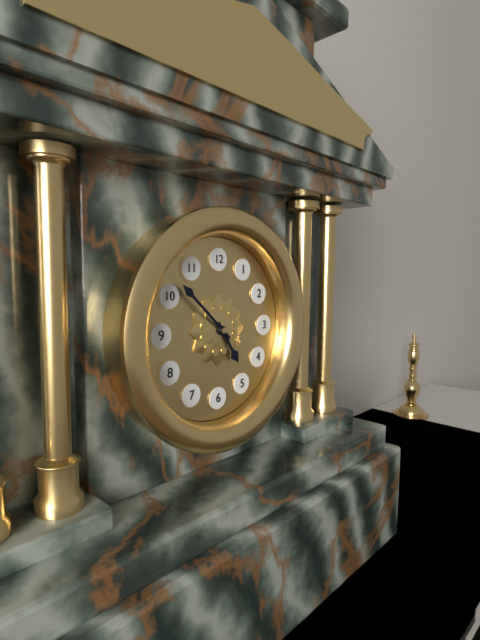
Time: {"hour": 4, "minute": 52}
